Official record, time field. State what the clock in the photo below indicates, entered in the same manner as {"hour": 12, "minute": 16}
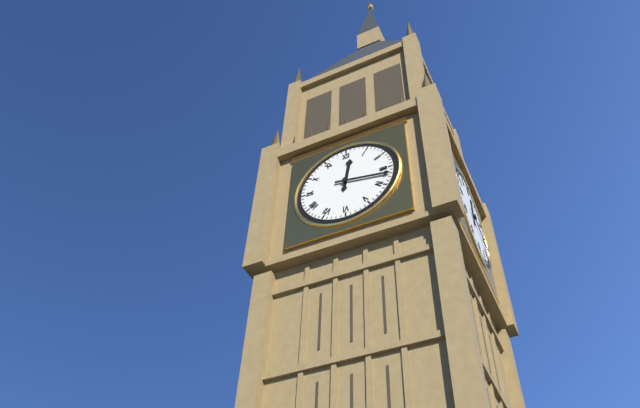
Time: {"hour": 12, "minute": 17}
